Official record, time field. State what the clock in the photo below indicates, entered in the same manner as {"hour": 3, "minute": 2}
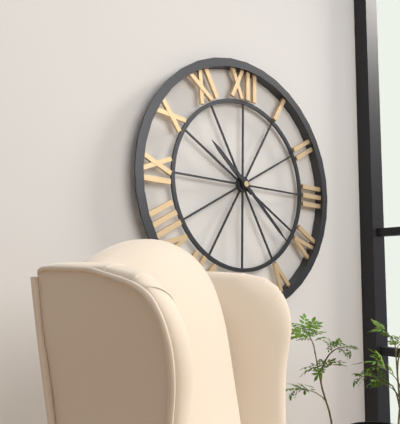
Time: {"hour": 10, "minute": 22}
